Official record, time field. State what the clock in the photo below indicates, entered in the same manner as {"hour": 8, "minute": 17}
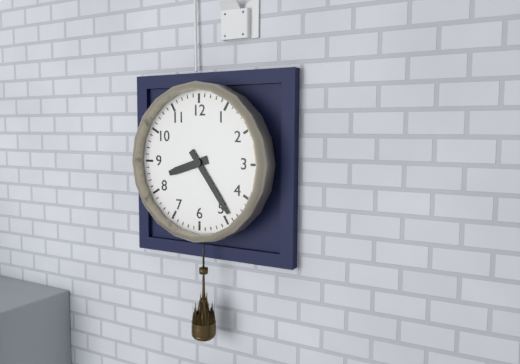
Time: {"hour": 8, "minute": 24}
